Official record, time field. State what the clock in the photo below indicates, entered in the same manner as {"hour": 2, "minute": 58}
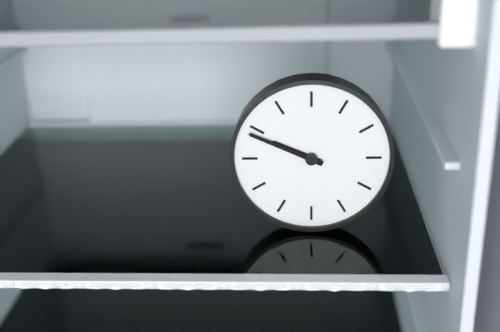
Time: {"hour": 9, "minute": 49}
